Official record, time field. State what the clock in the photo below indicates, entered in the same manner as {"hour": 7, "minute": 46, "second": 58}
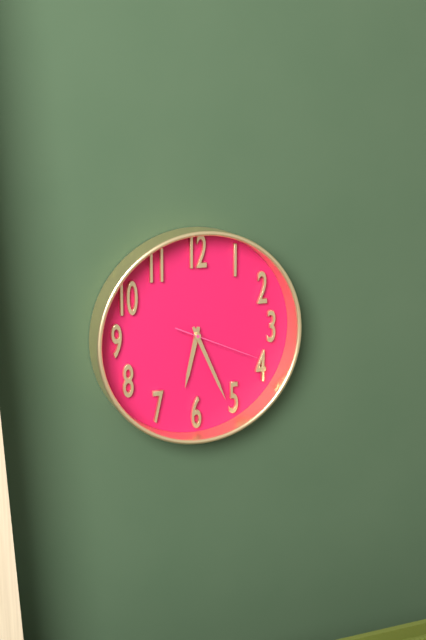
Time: {"hour": 6, "minute": 26, "second": 19}
